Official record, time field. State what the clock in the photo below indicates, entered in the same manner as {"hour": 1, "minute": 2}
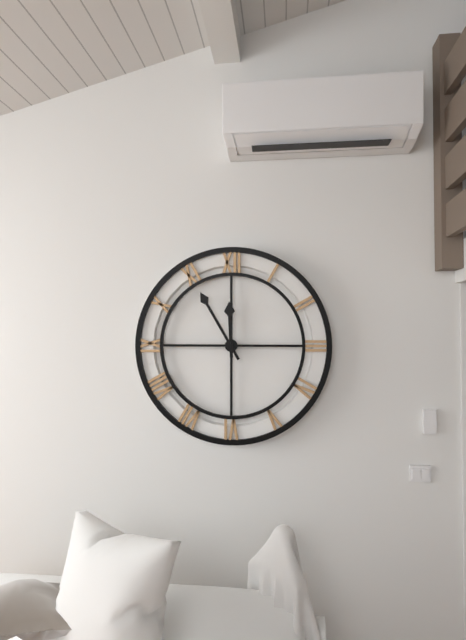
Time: {"hour": 11, "minute": 55}
